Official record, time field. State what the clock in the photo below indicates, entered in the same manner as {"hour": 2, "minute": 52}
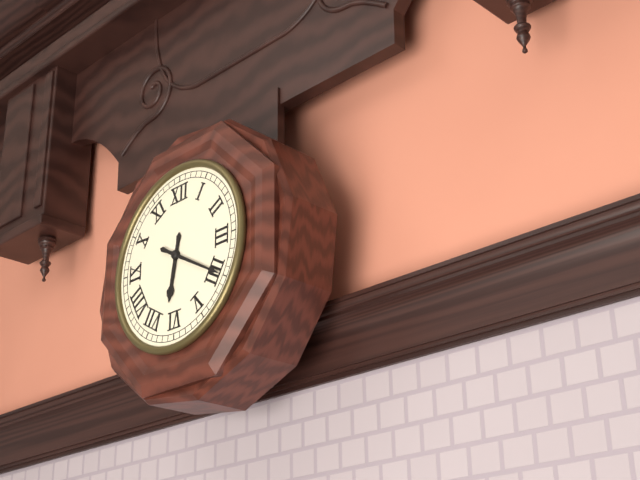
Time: {"hour": 6, "minute": 20}
